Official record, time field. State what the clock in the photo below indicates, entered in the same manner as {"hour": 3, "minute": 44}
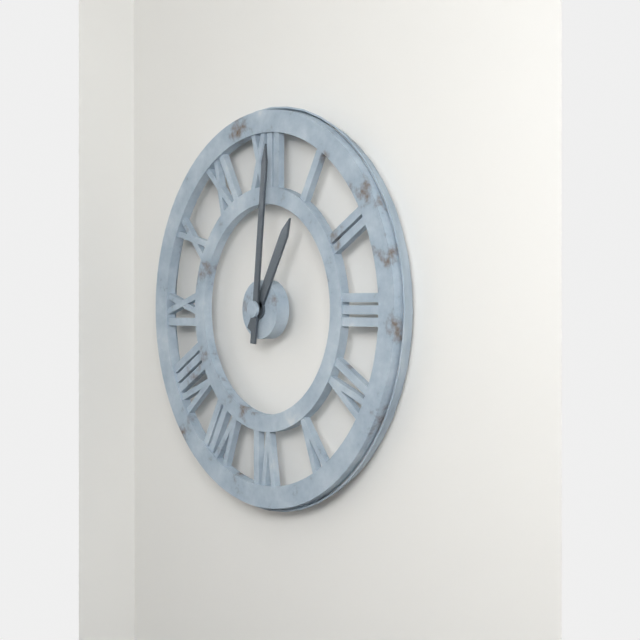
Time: {"hour": 1, "minute": 1}
